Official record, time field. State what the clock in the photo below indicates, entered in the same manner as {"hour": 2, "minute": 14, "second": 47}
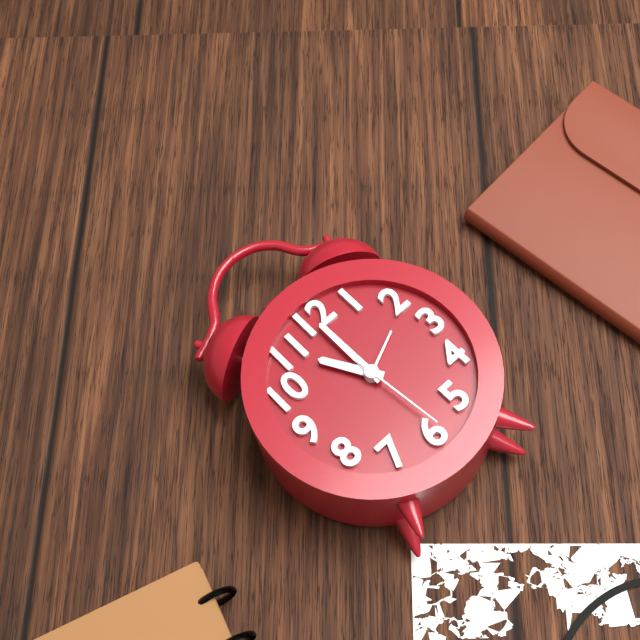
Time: {"hour": 11, "minute": 0, "second": 29}
